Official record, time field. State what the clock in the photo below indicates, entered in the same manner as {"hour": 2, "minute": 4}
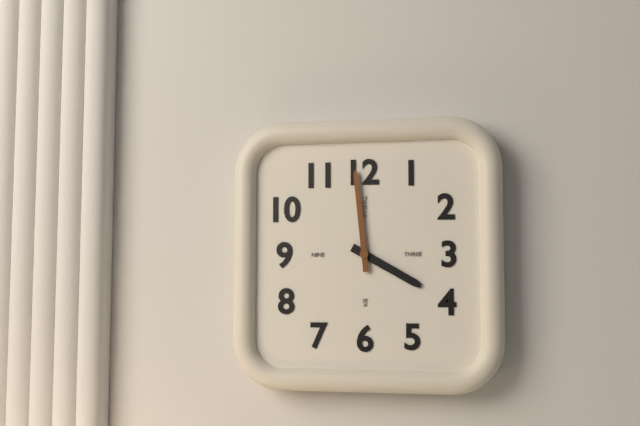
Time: {"hour": 3, "minute": 59}
